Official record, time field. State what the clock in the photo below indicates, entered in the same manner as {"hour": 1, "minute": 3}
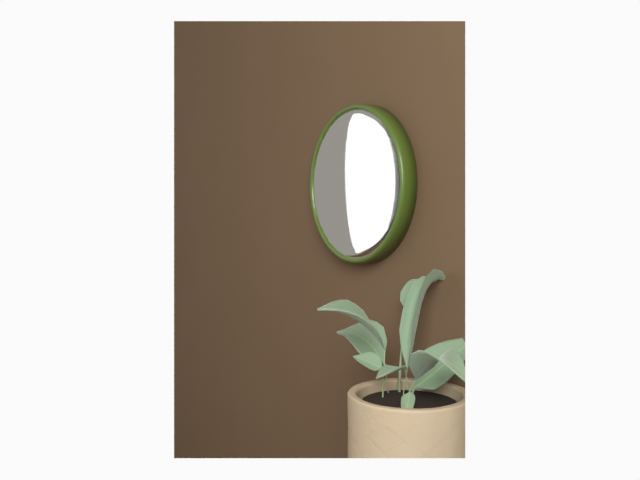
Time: {"hour": 7, "minute": 47}
